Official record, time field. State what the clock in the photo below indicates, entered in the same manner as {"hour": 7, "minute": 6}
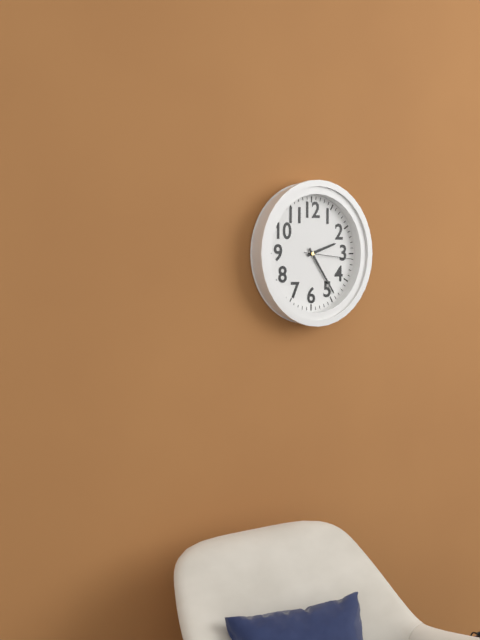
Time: {"hour": 2, "minute": 24}
